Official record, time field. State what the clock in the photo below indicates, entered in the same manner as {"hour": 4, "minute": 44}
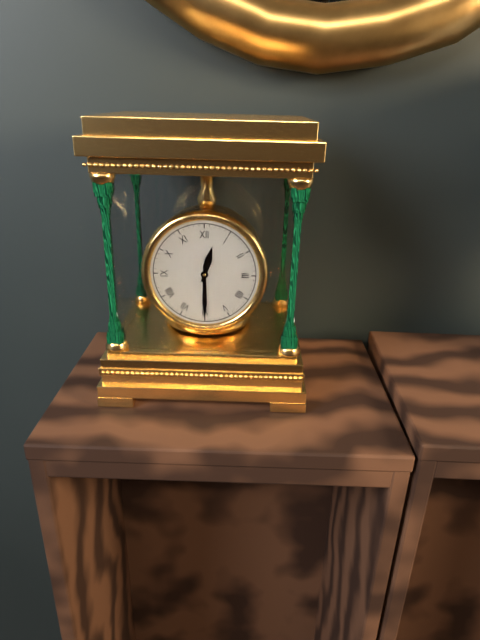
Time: {"hour": 12, "minute": 30}
